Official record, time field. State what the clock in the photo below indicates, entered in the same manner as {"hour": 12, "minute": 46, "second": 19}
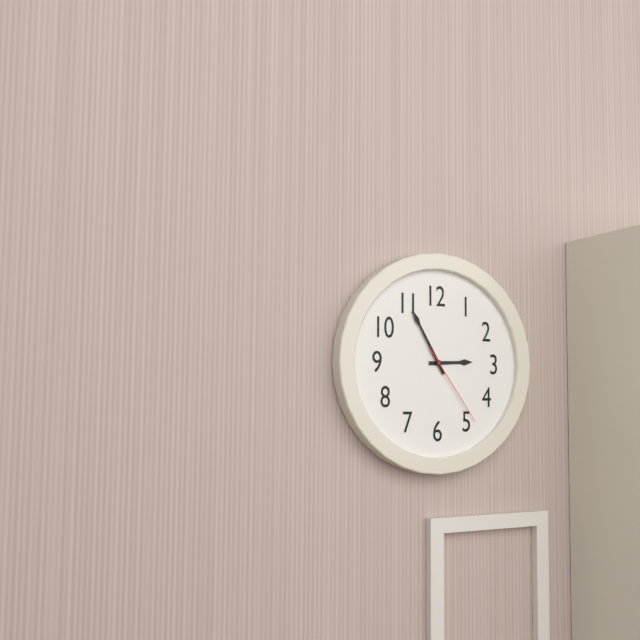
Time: {"hour": 2, "minute": 55, "second": 24}
